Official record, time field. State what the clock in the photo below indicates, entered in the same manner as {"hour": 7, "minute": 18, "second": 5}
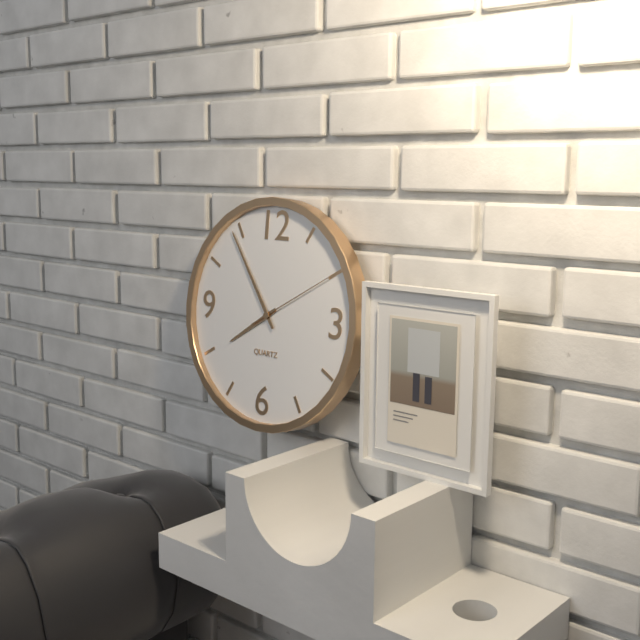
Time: {"hour": 7, "minute": 54, "second": 10}
